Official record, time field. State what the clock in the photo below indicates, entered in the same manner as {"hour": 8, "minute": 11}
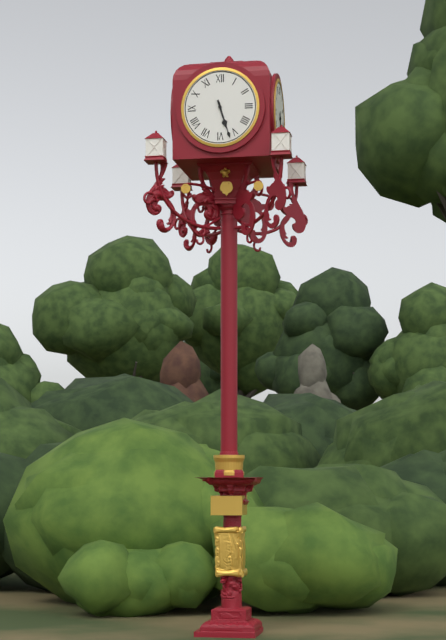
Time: {"hour": 5, "minute": 27}
